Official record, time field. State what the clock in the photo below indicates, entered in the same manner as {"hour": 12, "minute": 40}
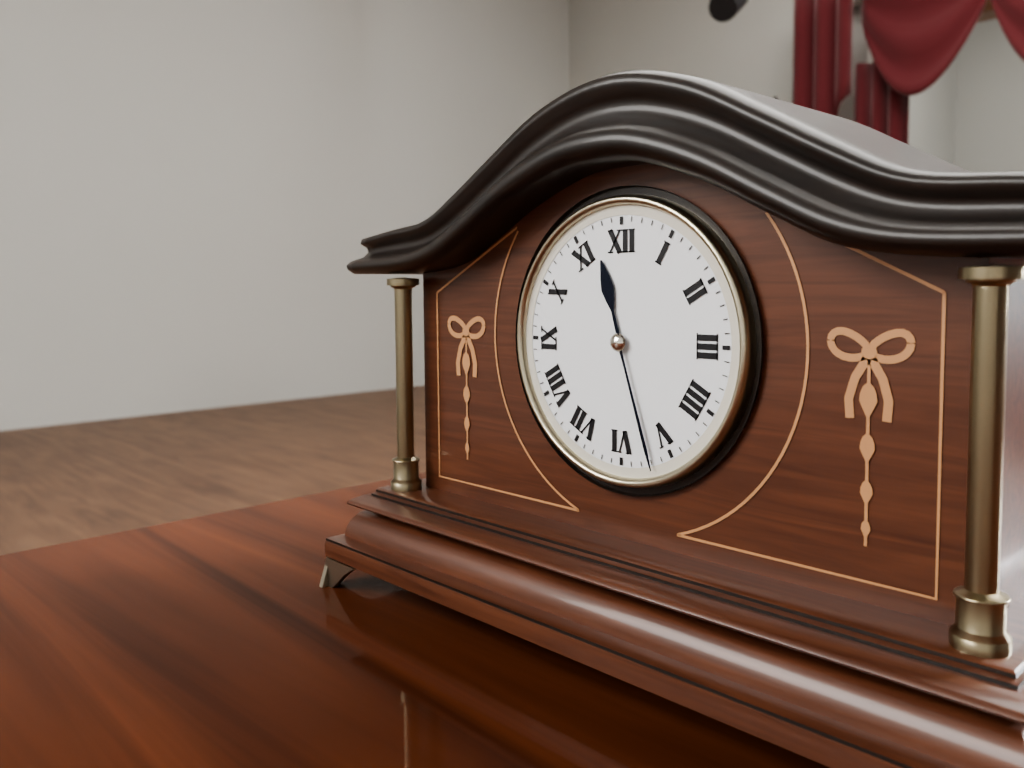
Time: {"hour": 11, "minute": 27}
